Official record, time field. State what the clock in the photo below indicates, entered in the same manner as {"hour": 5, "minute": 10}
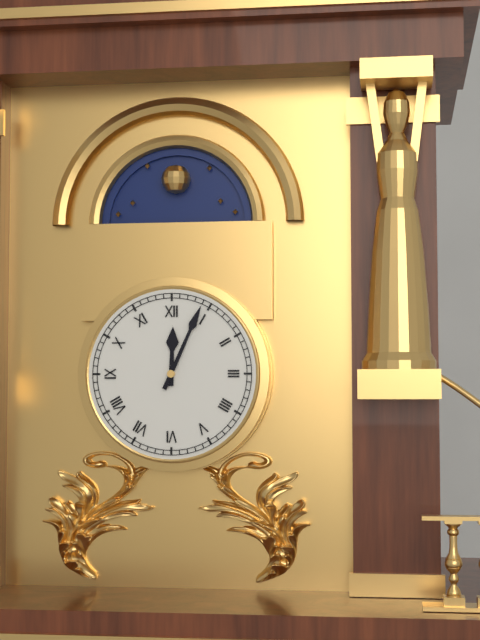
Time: {"hour": 12, "minute": 4}
